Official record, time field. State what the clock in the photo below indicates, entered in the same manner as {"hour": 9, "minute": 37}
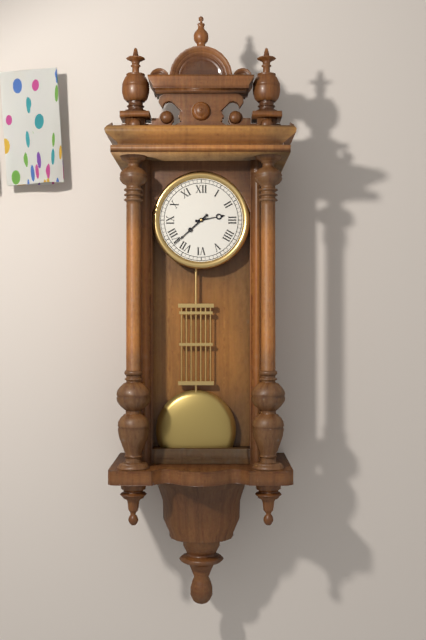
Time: {"hour": 2, "minute": 38}
